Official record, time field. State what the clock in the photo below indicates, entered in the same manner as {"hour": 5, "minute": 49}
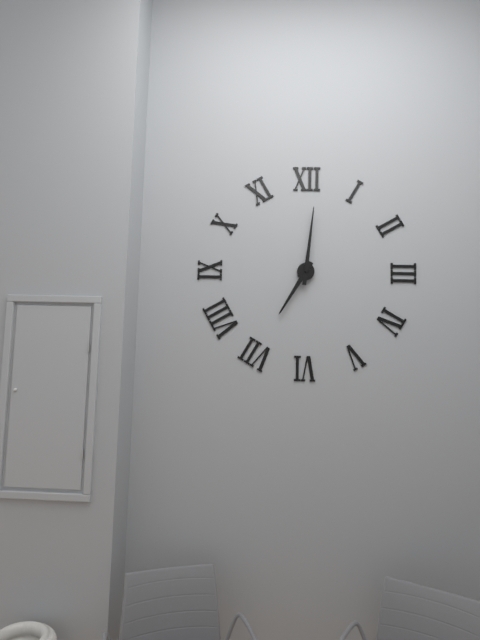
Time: {"hour": 7, "minute": 1}
